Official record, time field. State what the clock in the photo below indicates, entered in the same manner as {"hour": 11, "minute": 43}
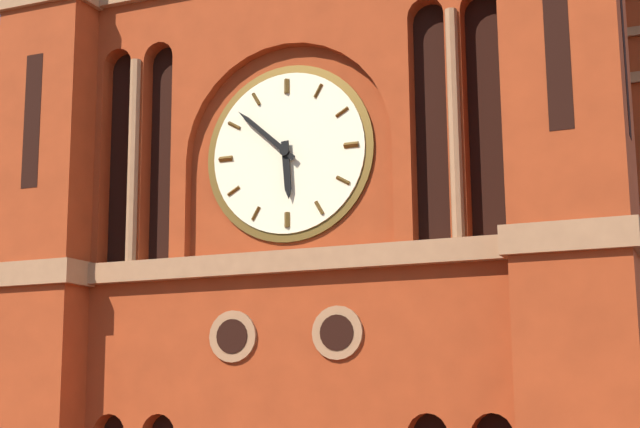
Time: {"hour": 5, "minute": 52}
